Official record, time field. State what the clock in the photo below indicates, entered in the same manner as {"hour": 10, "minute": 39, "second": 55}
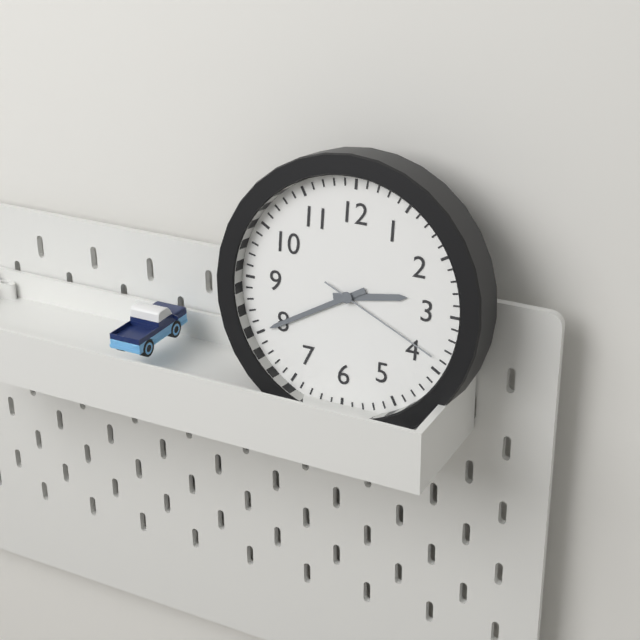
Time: {"hour": 2, "minute": 40, "second": 19}
